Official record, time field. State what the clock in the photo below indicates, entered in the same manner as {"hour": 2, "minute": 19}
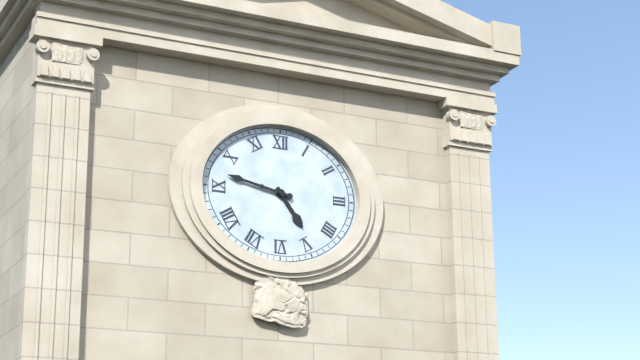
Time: {"hour": 4, "minute": 47}
